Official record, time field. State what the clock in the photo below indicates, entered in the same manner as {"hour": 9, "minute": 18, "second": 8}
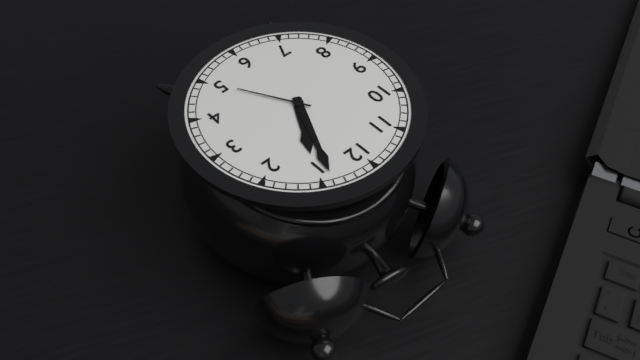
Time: {"hour": 1, "minute": 4, "second": 25}
